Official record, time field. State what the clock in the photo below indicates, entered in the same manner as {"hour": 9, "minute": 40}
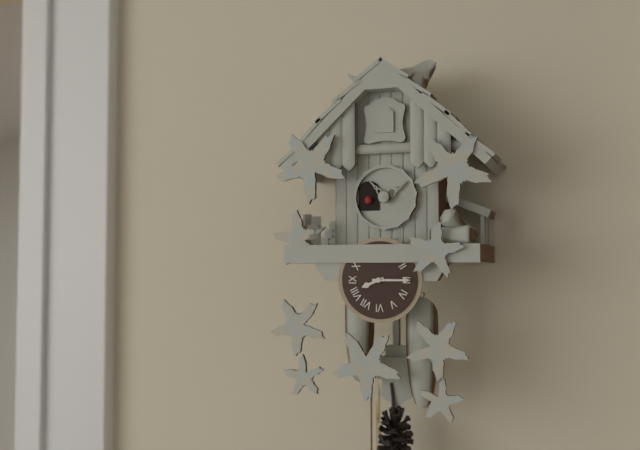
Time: {"hour": 8, "minute": 15}
